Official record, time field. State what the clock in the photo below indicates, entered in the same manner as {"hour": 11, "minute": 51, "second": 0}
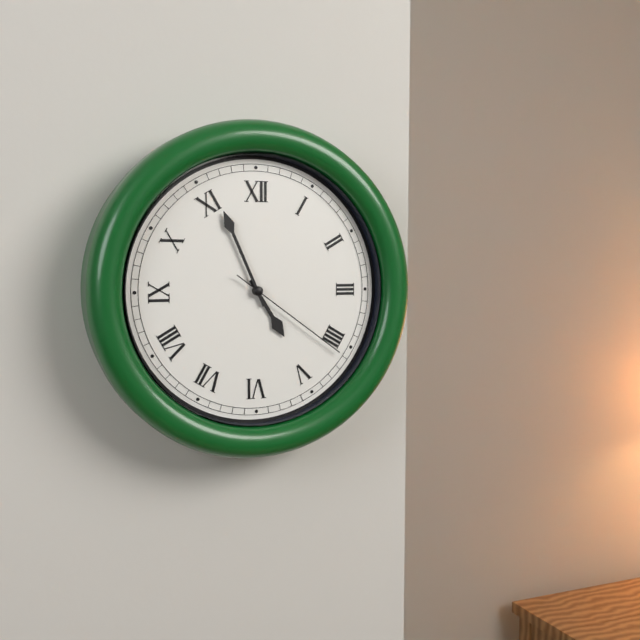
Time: {"hour": 4, "minute": 56, "second": 21}
